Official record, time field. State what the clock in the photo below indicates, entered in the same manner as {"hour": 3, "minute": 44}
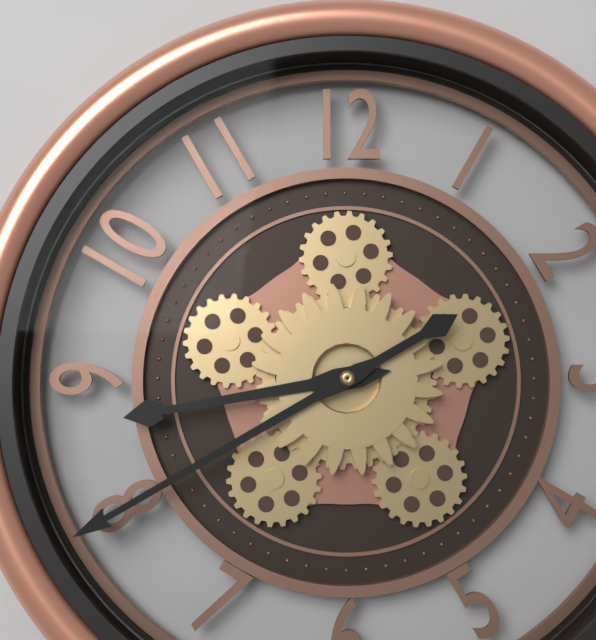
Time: {"hour": 8, "minute": 40}
